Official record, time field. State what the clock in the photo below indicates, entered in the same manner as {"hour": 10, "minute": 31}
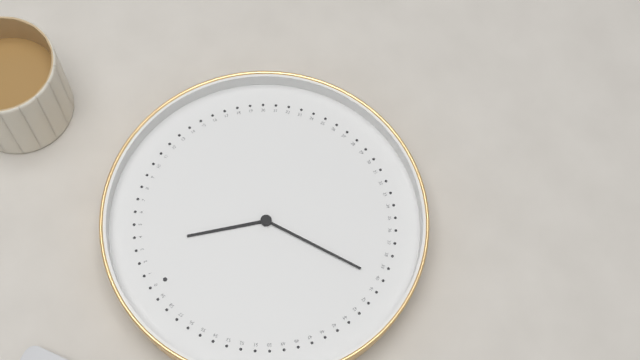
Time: {"hour": 12, "minute": 40}
